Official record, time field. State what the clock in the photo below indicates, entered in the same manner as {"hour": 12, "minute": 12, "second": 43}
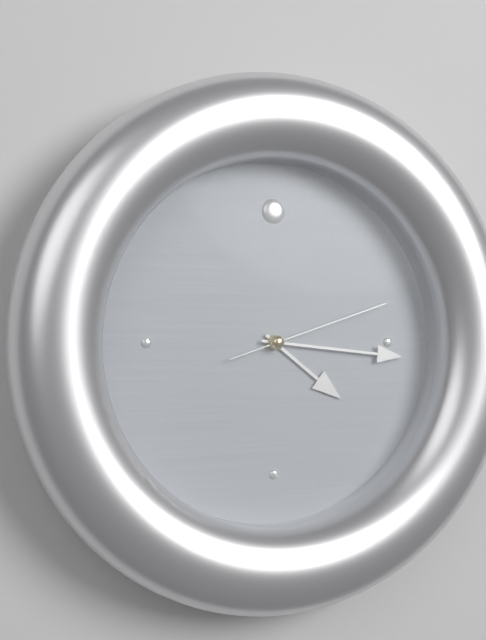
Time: {"hour": 4, "minute": 16, "second": 12}
